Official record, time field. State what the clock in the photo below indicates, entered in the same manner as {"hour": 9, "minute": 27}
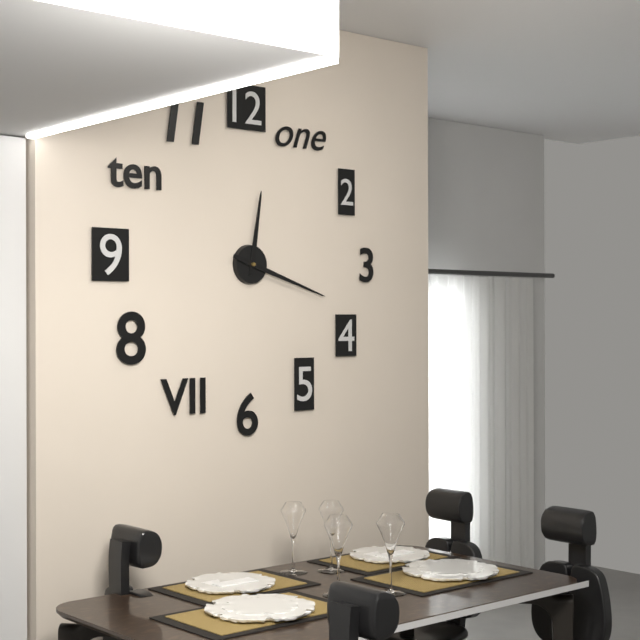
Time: {"hour": 12, "minute": 18}
